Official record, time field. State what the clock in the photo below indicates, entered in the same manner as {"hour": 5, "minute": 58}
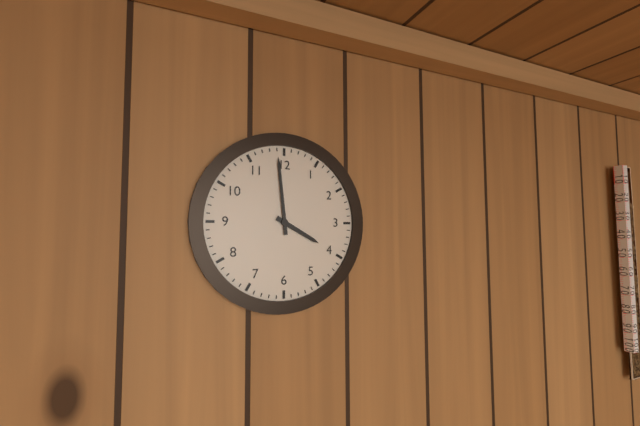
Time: {"hour": 3, "minute": 59}
